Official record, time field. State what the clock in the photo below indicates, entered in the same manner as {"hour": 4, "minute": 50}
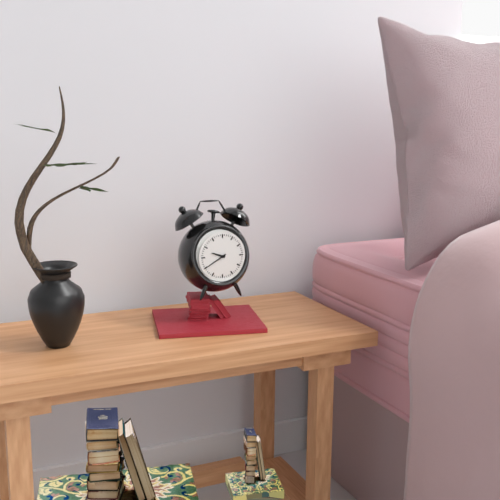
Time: {"hour": 9, "minute": 40}
